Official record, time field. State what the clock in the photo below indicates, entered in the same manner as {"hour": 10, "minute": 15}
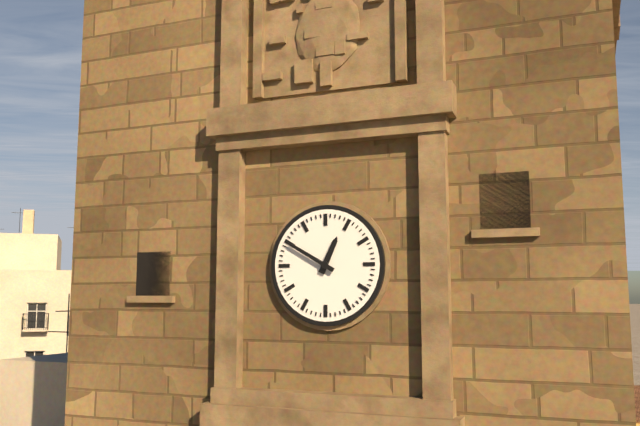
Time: {"hour": 12, "minute": 50}
